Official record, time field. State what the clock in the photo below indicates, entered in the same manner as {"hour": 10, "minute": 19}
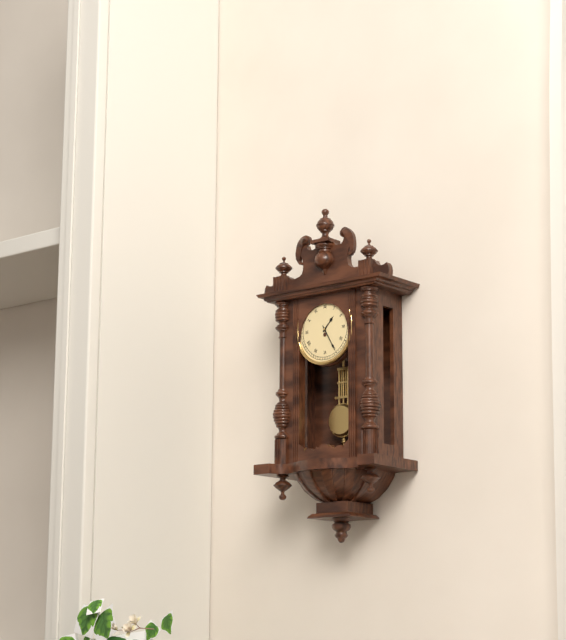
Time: {"hour": 1, "minute": 25}
